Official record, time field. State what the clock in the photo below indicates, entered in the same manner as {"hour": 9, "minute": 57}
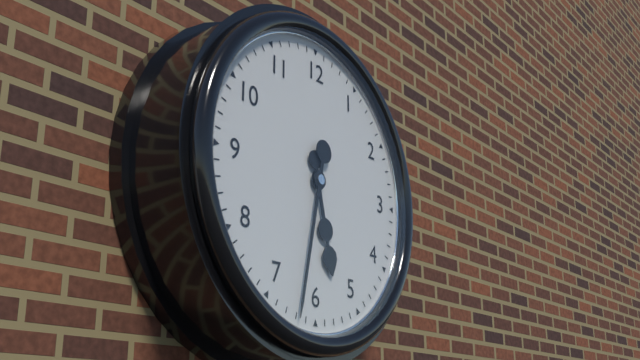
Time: {"hour": 5, "minute": 32}
